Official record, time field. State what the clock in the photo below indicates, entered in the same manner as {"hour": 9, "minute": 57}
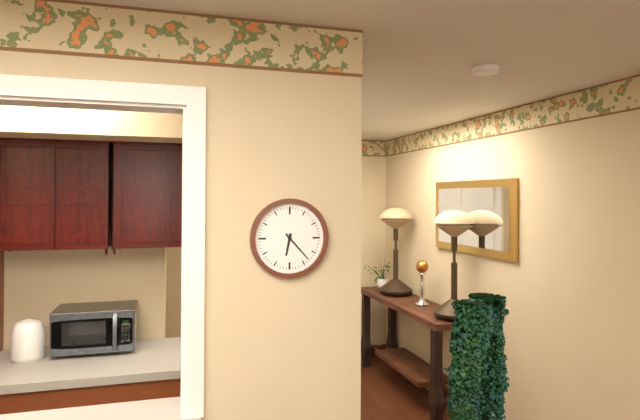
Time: {"hour": 6, "minute": 23}
